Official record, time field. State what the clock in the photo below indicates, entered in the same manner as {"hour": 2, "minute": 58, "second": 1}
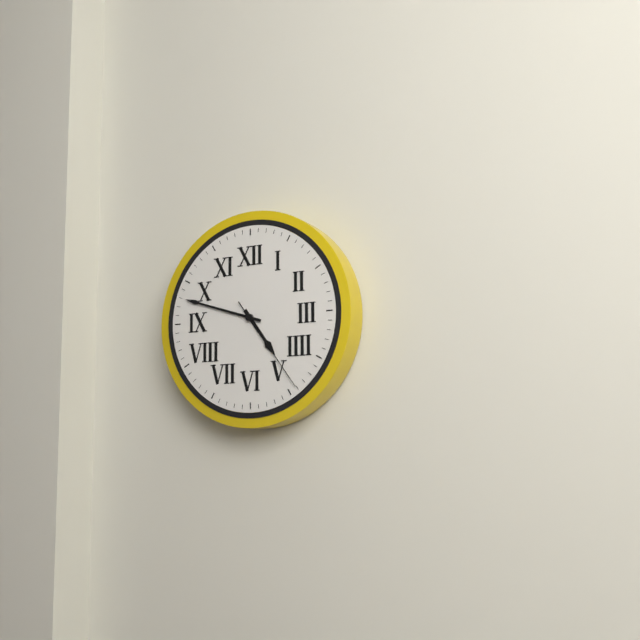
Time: {"hour": 4, "minute": 48, "second": 24}
